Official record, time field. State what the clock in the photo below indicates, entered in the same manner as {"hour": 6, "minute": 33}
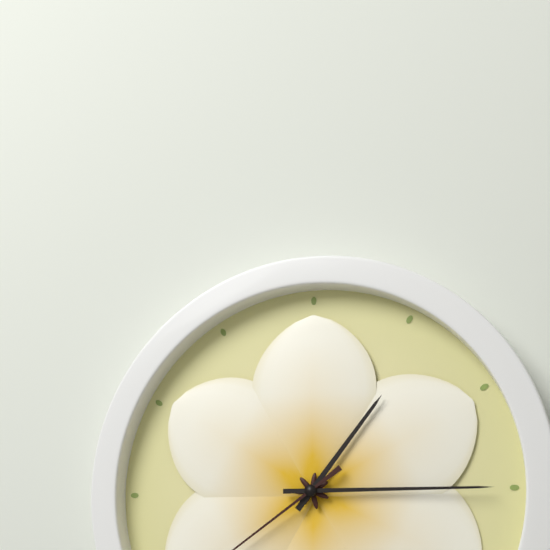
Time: {"hour": 1, "minute": 15}
